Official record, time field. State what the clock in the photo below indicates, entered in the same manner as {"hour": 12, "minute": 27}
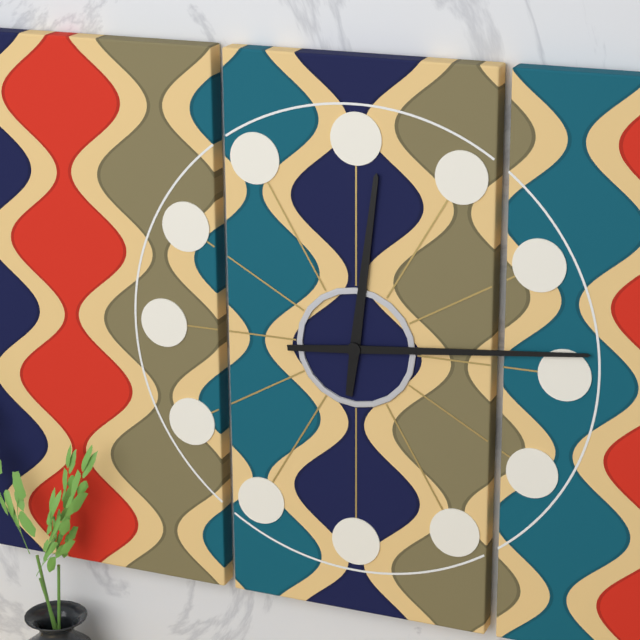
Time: {"hour": 12, "minute": 14}
